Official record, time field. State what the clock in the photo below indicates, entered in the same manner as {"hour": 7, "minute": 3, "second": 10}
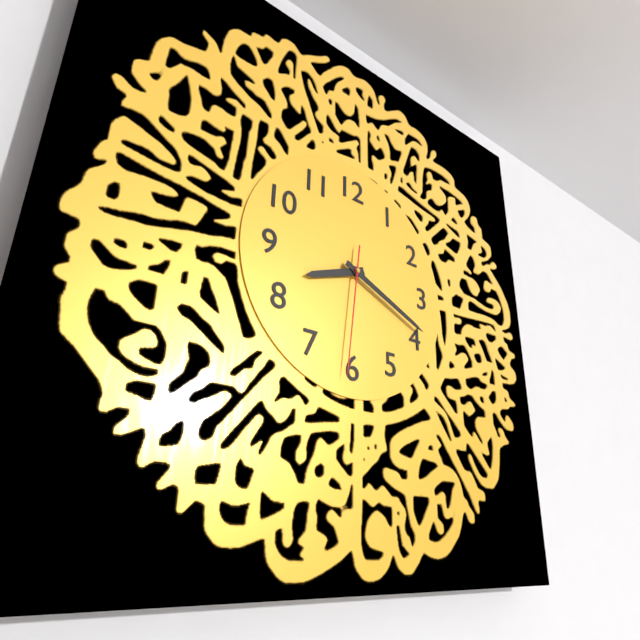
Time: {"hour": 8, "minute": 19, "second": 31}
